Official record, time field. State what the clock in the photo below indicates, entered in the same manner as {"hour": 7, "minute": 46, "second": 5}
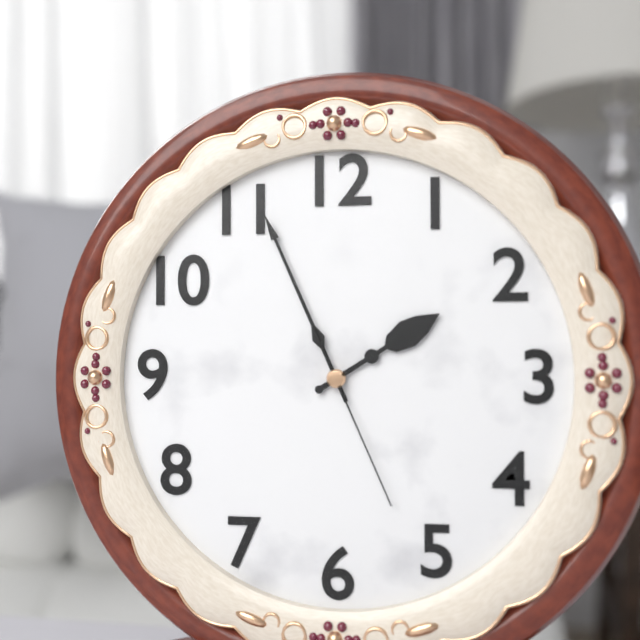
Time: {"hour": 1, "minute": 56, "second": 26}
